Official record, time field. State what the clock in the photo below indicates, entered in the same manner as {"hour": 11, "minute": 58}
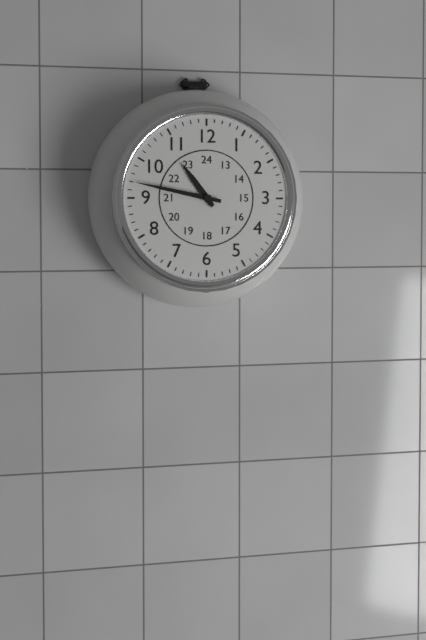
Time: {"hour": 10, "minute": 47}
